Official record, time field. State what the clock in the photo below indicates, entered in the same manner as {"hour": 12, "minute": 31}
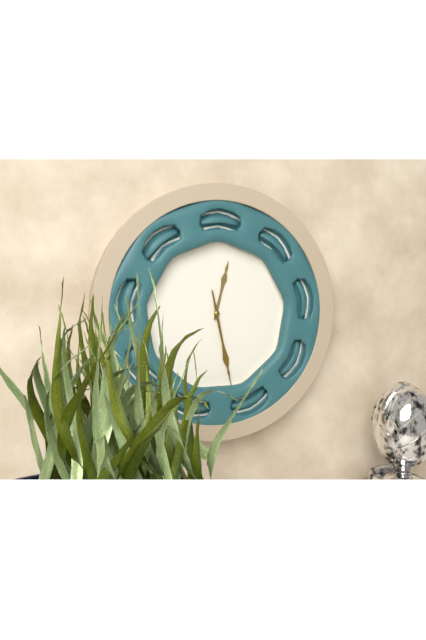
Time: {"hour": 12, "minute": 28}
